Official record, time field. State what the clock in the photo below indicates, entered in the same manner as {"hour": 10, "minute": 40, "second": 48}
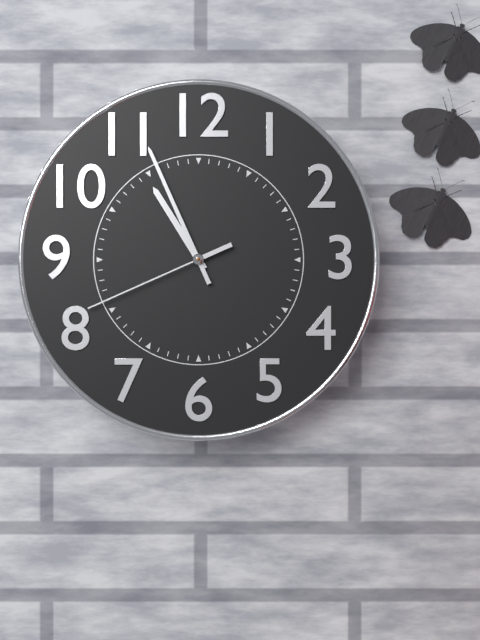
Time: {"hour": 10, "minute": 56, "second": 41}
